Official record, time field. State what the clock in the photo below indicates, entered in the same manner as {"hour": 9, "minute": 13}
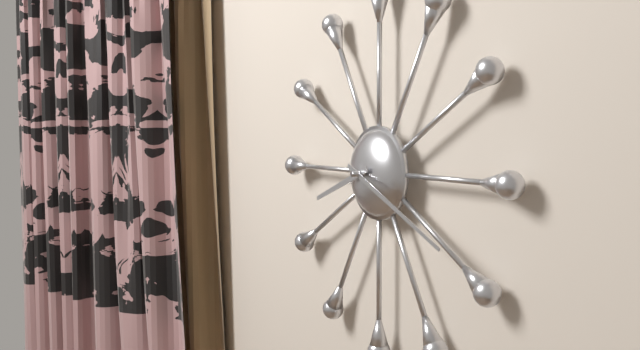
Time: {"hour": 8, "minute": 19}
